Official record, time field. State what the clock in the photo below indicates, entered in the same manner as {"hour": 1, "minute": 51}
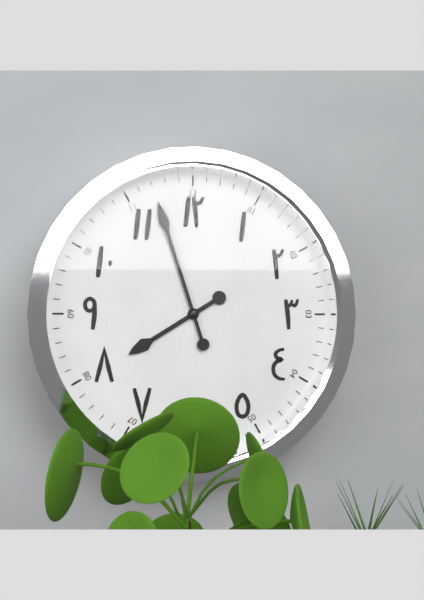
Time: {"hour": 7, "minute": 57}
